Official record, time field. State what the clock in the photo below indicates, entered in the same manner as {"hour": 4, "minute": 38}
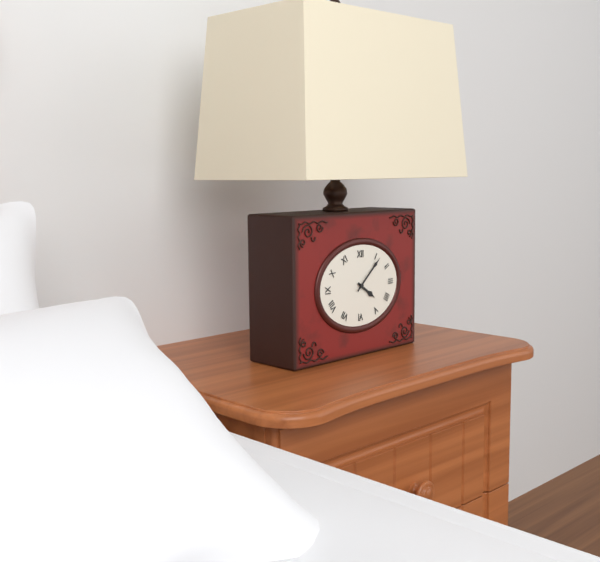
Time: {"hour": 4, "minute": 8}
